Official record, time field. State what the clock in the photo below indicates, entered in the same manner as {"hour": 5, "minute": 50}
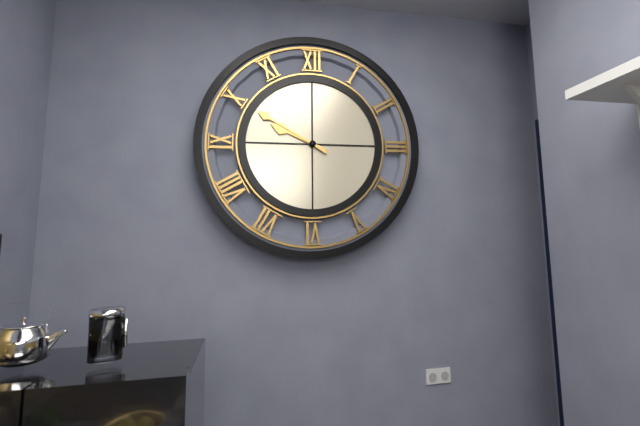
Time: {"hour": 9, "minute": 50}
